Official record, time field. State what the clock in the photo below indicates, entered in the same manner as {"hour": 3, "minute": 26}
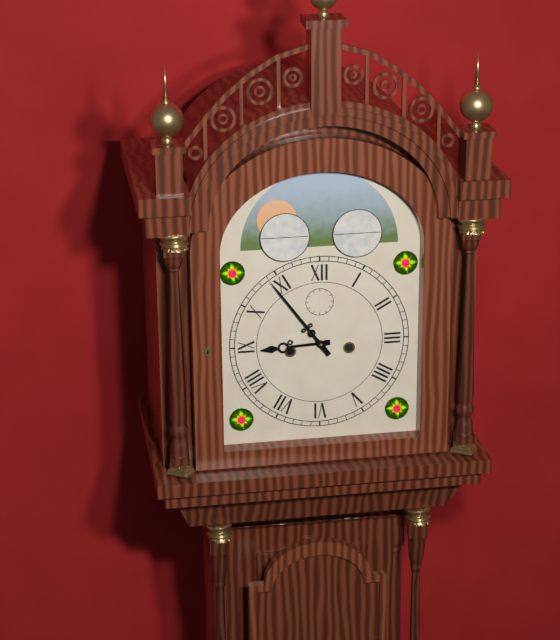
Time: {"hour": 8, "minute": 54}
